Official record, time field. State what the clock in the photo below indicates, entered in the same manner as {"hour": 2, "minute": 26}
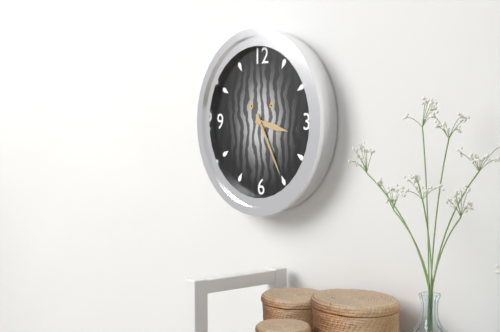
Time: {"hour": 3, "minute": 25}
